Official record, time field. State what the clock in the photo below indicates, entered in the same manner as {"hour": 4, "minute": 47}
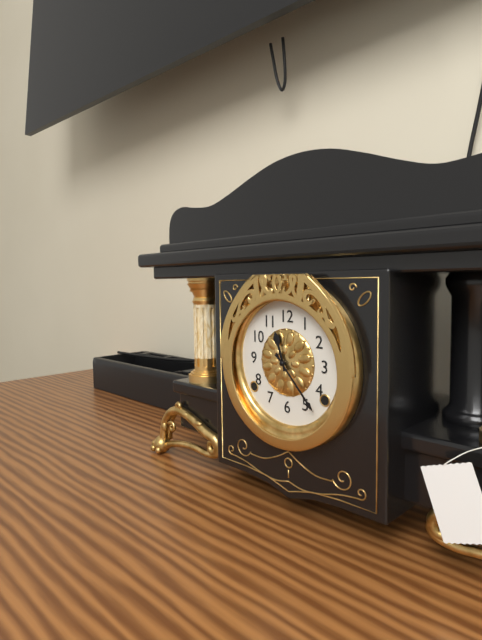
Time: {"hour": 11, "minute": 23}
